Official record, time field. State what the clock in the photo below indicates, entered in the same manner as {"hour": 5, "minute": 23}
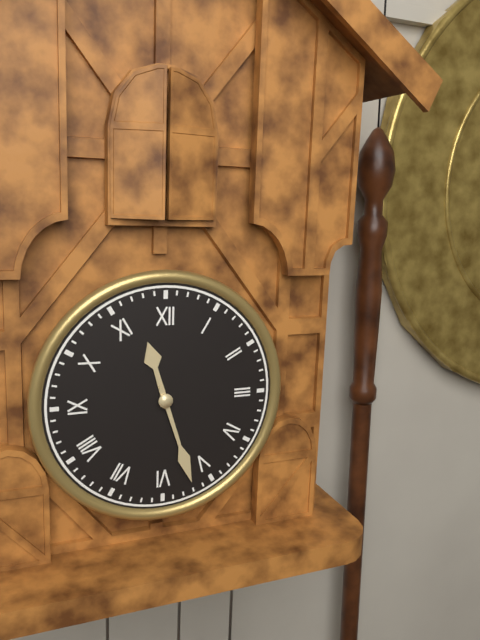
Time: {"hour": 11, "minute": 27}
